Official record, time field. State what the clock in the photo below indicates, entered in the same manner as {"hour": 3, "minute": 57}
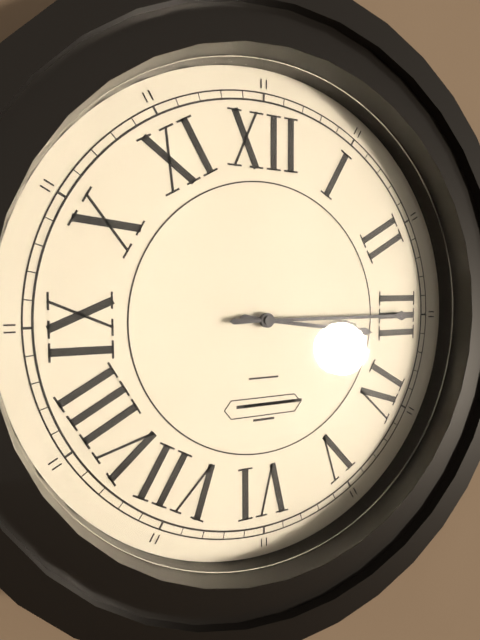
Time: {"hour": 3, "minute": 15}
